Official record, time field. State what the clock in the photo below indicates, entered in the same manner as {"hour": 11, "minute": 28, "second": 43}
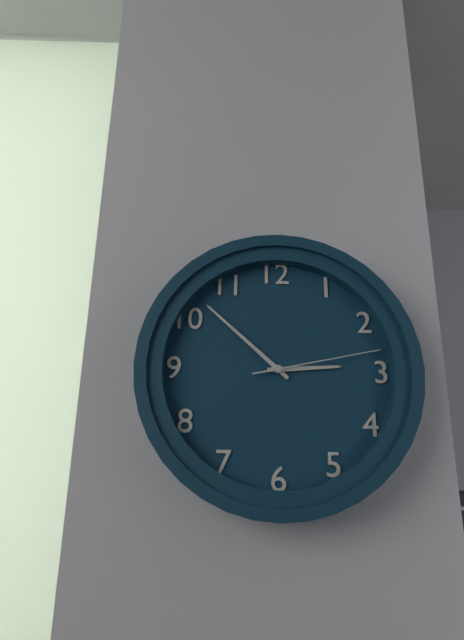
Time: {"hour": 2, "minute": 52, "second": 13}
